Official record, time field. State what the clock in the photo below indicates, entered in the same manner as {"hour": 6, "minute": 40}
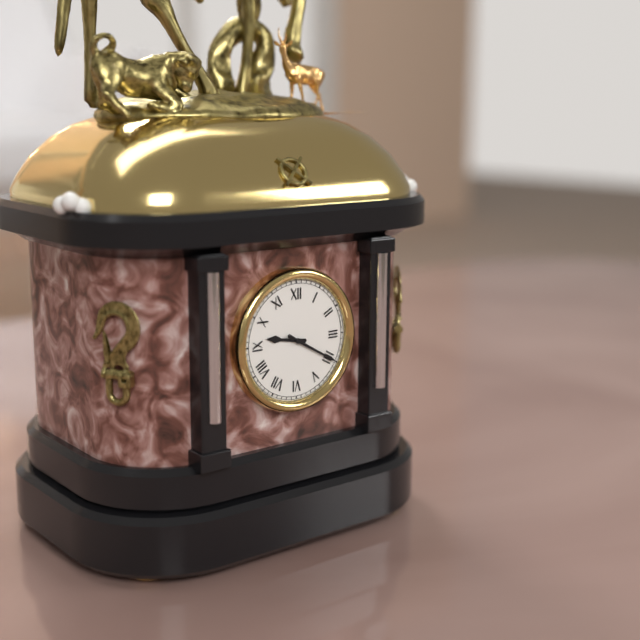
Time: {"hour": 9, "minute": 20}
